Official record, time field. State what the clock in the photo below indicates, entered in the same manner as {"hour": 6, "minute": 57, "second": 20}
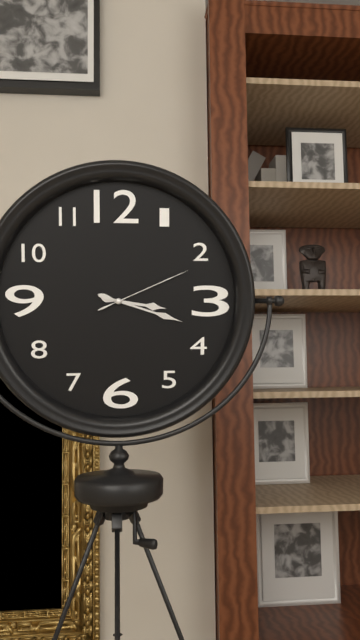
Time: {"hour": 3, "minute": 18, "second": 11}
